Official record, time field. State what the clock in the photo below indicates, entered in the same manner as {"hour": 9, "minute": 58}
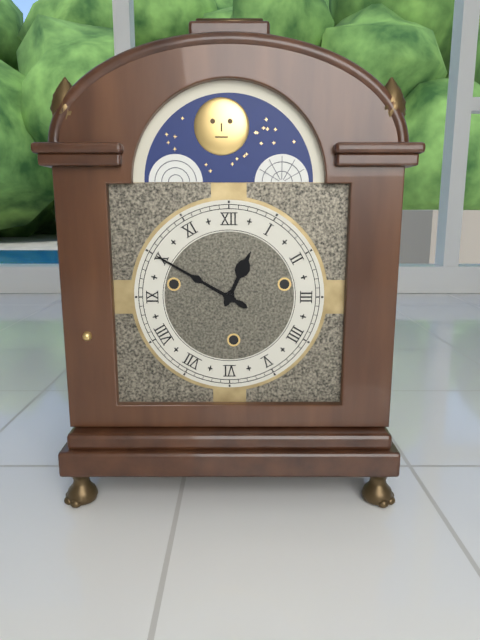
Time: {"hour": 12, "minute": 50}
